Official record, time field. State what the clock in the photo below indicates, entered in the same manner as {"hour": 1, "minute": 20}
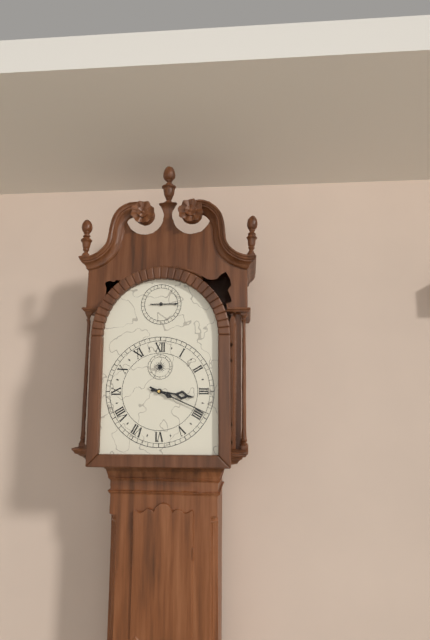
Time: {"hour": 3, "minute": 19}
